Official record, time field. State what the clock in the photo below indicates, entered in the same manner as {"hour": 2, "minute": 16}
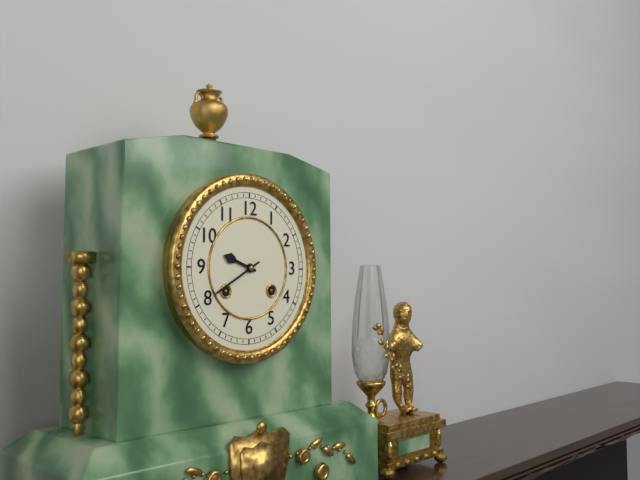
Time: {"hour": 9, "minute": 40}
